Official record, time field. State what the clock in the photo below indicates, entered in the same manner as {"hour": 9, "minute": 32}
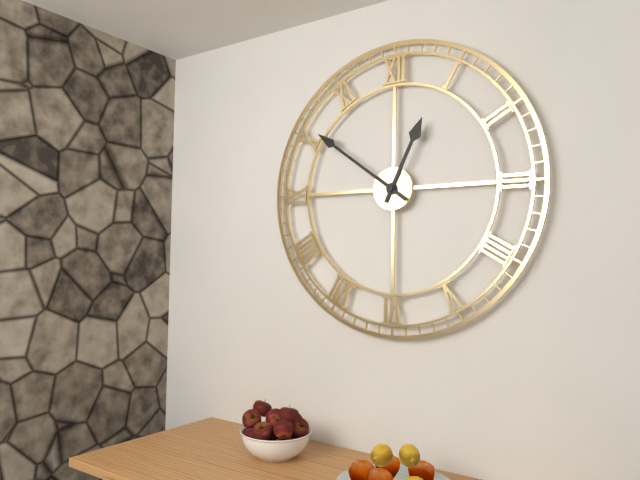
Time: {"hour": 12, "minute": 51}
